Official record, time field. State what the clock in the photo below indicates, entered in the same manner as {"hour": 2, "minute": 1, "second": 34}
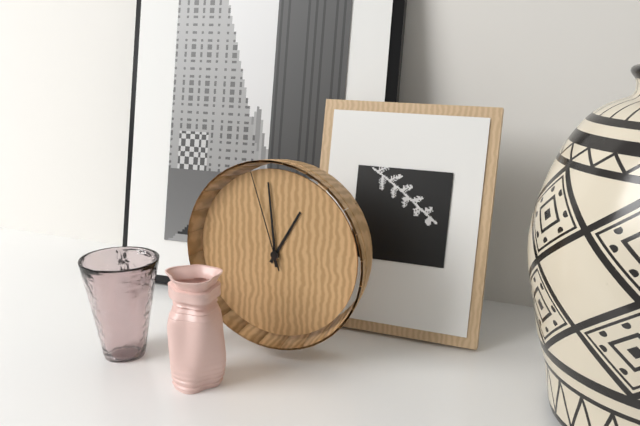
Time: {"hour": 12, "minute": 59, "second": 57}
